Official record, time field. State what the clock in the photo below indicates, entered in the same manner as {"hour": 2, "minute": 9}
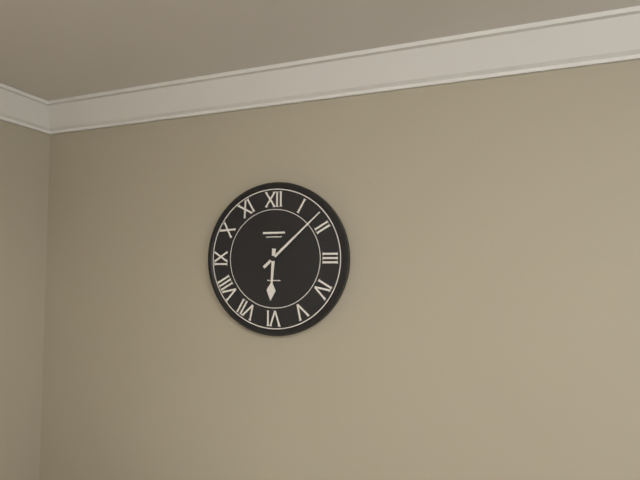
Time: {"hour": 6, "minute": 8}
